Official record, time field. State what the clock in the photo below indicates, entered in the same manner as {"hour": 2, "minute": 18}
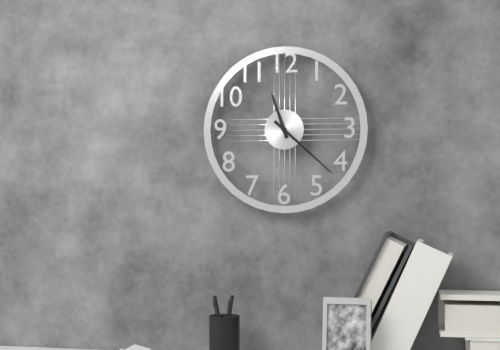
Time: {"hour": 11, "minute": 22}
